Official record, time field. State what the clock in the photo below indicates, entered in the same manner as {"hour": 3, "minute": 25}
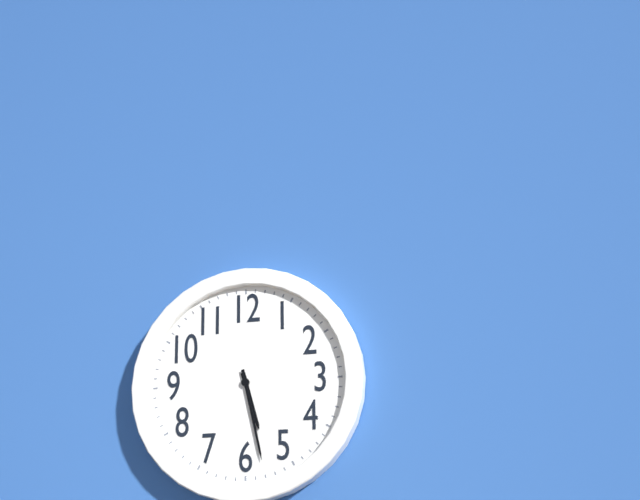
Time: {"hour": 5, "minute": 28}
